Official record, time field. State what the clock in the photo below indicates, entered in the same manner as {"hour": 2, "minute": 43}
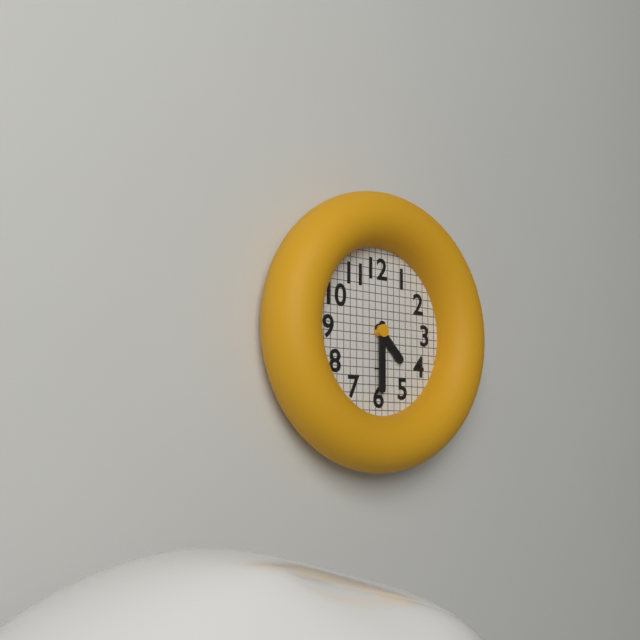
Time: {"hour": 4, "minute": 30}
